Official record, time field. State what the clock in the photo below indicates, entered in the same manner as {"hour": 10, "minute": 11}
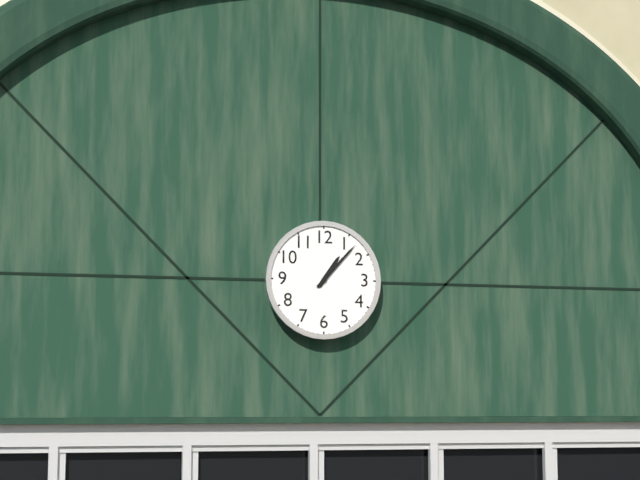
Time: {"hour": 1, "minute": 7}
